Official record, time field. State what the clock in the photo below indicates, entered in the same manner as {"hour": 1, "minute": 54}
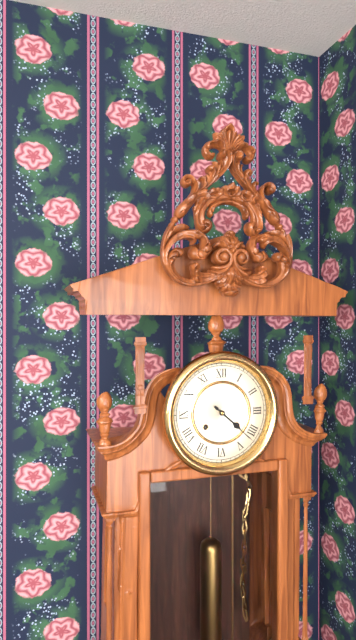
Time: {"hour": 4, "minute": 22}
